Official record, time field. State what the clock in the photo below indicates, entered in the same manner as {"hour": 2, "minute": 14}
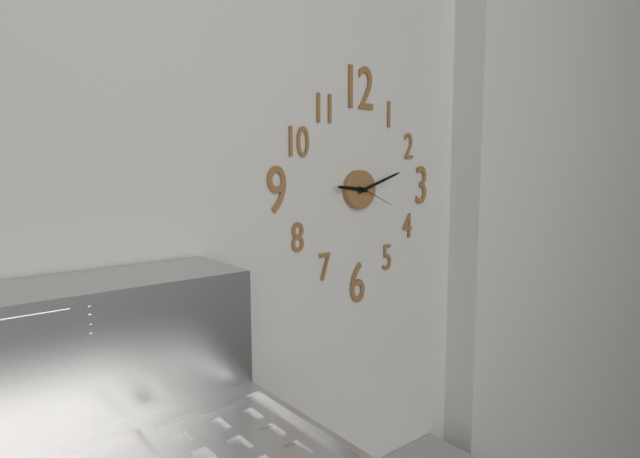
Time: {"hour": 9, "minute": 12}
